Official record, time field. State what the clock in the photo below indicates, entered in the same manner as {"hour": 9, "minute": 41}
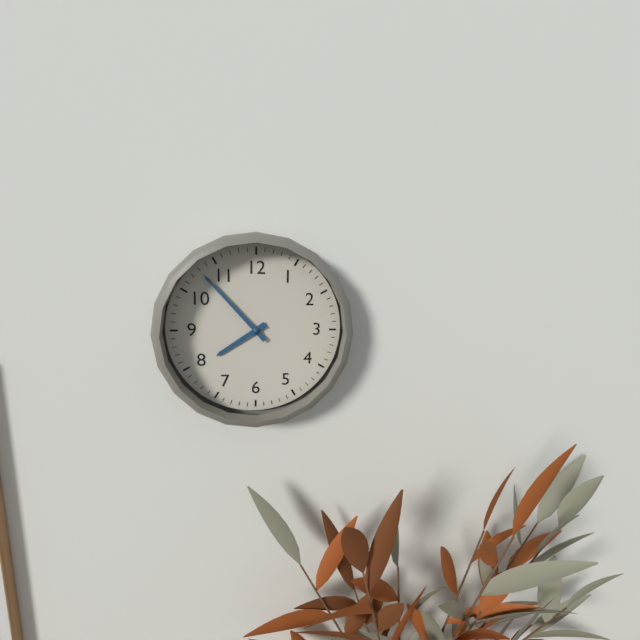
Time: {"hour": 7, "minute": 53}
